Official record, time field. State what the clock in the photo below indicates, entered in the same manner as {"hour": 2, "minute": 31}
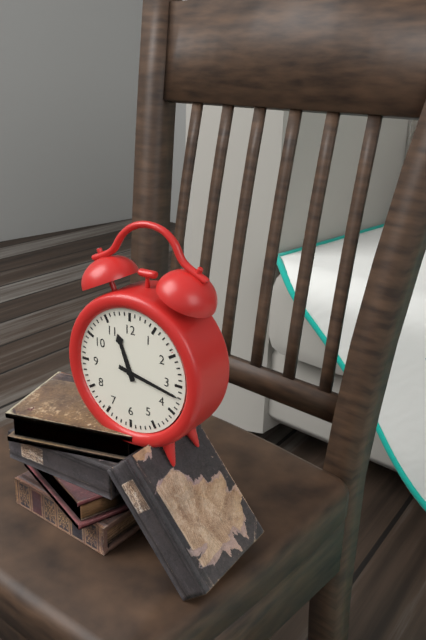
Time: {"hour": 11, "minute": 17}
